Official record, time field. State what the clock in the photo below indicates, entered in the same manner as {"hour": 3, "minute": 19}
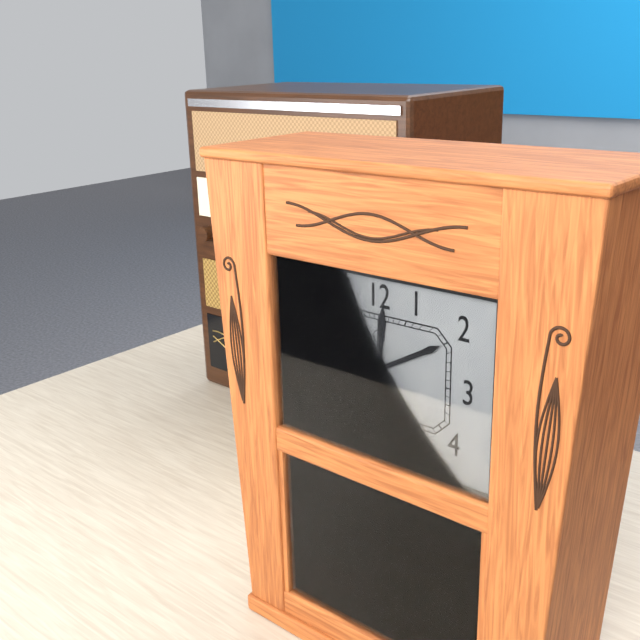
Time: {"hour": 12, "minute": 10}
